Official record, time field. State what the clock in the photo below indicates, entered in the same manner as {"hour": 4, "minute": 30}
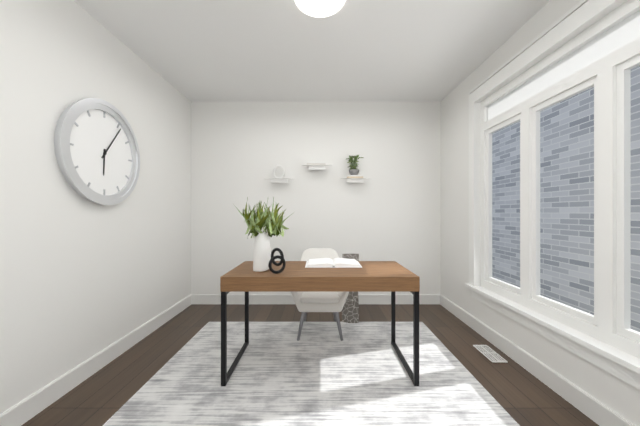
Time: {"hour": 6, "minute": 6}
